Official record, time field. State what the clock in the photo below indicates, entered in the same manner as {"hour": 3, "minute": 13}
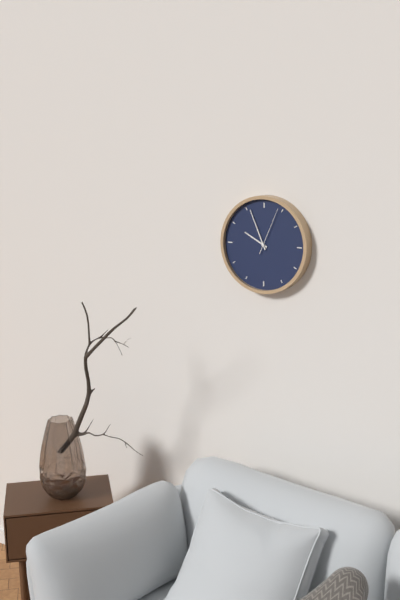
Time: {"hour": 9, "minute": 56}
